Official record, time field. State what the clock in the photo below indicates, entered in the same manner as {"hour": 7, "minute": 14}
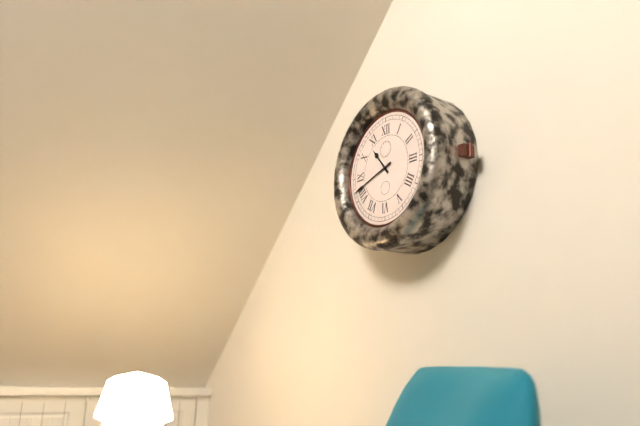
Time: {"hour": 10, "minute": 42}
